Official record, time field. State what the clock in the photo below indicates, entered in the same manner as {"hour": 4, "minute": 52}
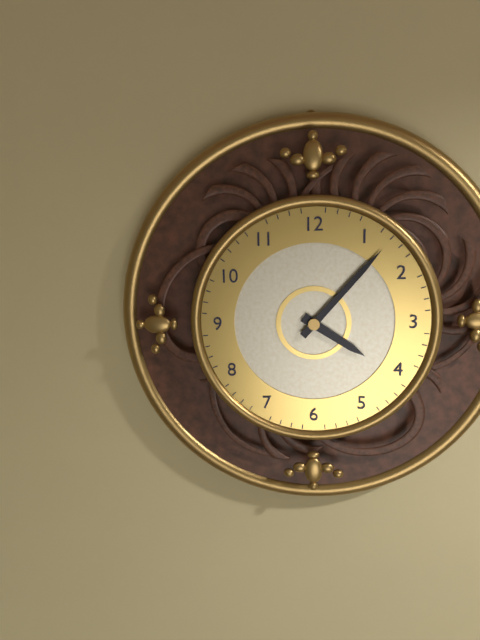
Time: {"hour": 4, "minute": 7}
